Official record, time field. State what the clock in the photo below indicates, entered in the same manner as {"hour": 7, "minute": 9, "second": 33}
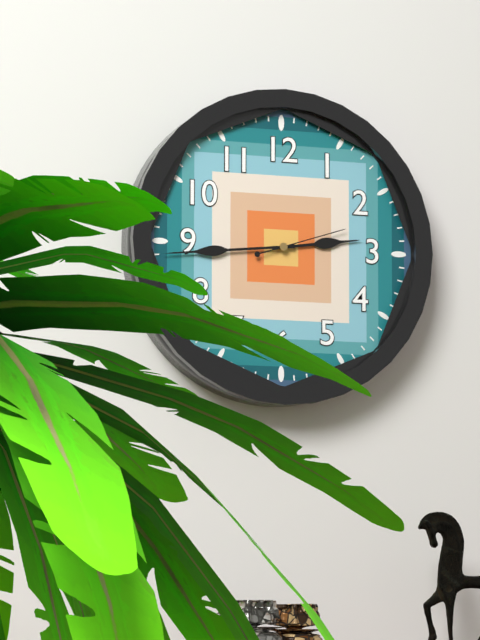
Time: {"hour": 2, "minute": 44, "second": 12}
